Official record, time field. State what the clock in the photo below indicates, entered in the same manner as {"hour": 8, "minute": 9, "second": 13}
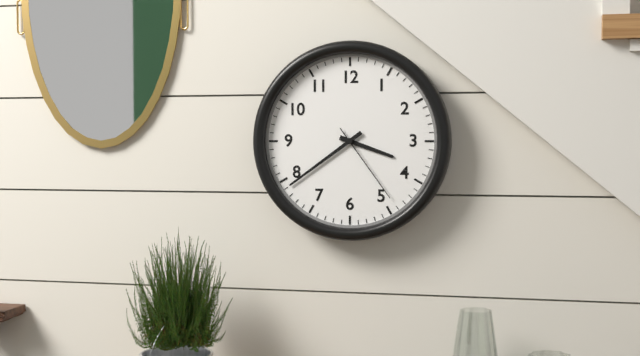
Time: {"hour": 3, "minute": 39, "second": 24}
